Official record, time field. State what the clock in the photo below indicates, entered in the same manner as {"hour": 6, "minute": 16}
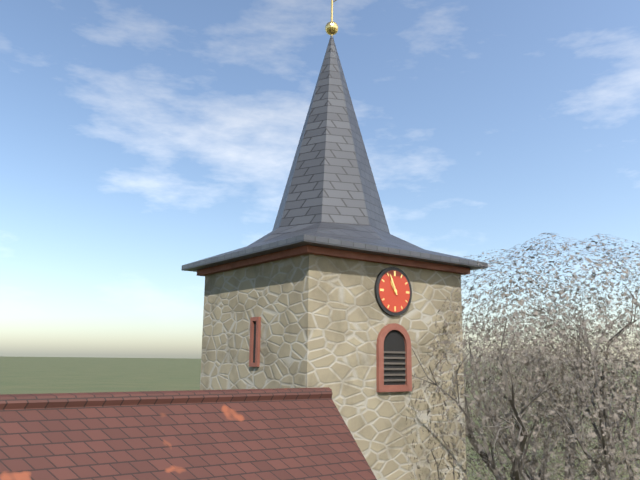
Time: {"hour": 10, "minute": 56}
